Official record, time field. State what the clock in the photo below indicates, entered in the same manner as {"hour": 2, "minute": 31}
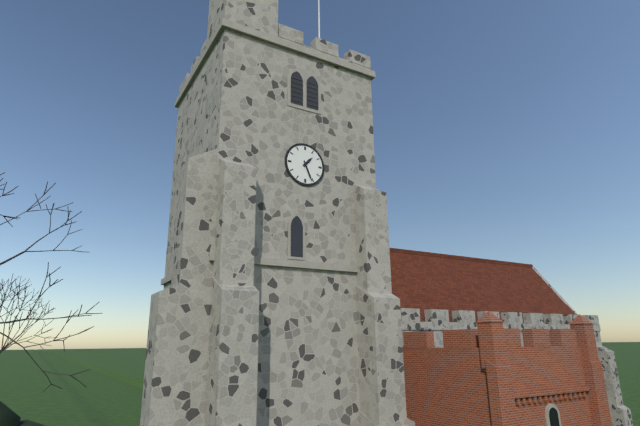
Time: {"hour": 1, "minute": 26}
